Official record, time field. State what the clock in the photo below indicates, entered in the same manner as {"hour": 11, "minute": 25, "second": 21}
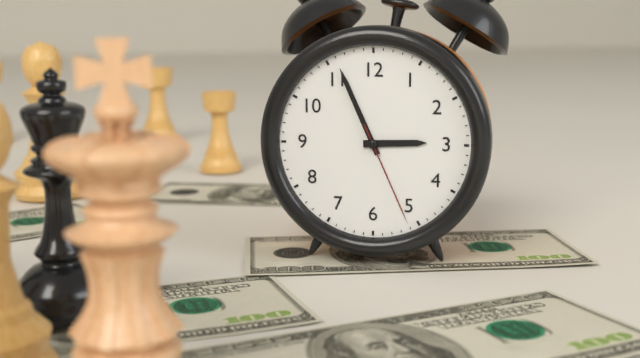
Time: {"hour": 2, "minute": 56, "second": 26}
